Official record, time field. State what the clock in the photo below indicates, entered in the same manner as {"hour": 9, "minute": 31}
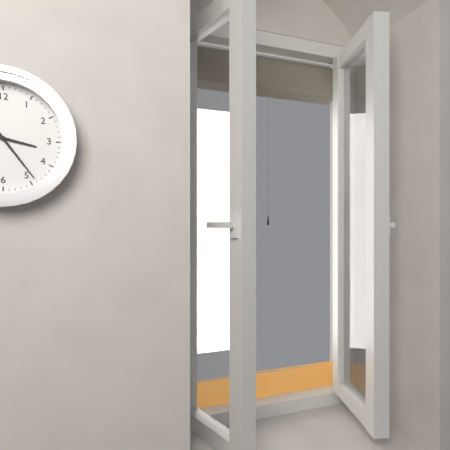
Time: {"hour": 3, "minute": 24}
